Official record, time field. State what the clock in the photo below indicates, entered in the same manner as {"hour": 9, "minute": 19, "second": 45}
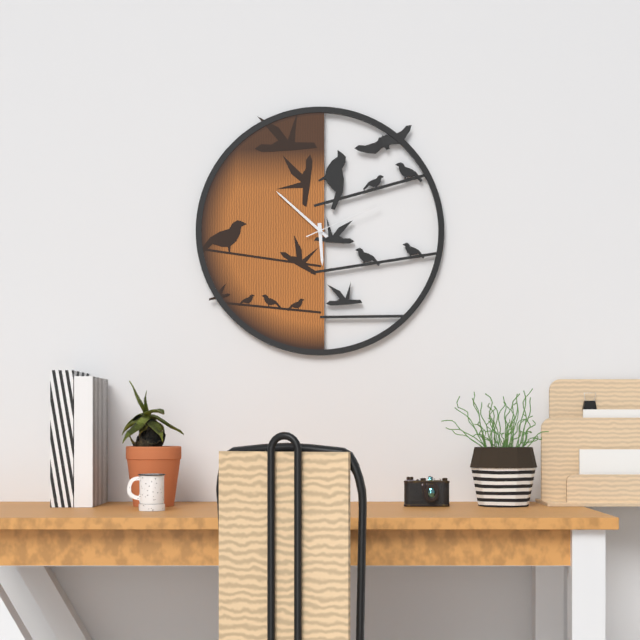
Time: {"hour": 5, "minute": 52, "second": 11}
